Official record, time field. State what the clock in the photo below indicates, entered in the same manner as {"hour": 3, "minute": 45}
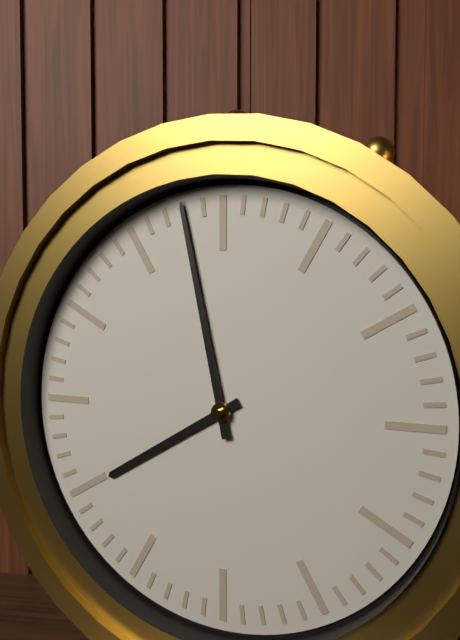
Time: {"hour": 7, "minute": 58}
